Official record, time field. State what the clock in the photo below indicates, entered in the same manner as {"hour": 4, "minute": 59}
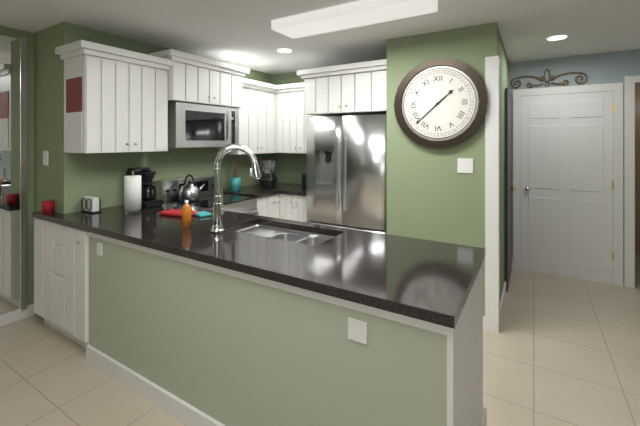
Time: {"hour": 1, "minute": 38}
